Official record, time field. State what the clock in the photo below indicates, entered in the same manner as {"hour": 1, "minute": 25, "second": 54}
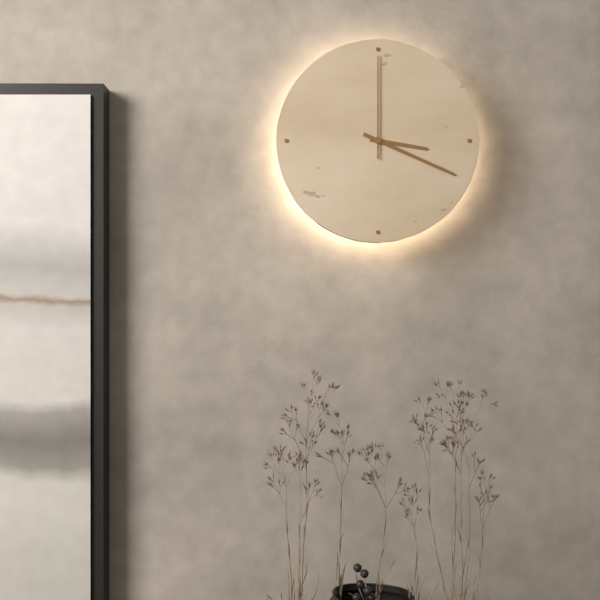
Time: {"hour": 3, "minute": 19, "second": 0}
